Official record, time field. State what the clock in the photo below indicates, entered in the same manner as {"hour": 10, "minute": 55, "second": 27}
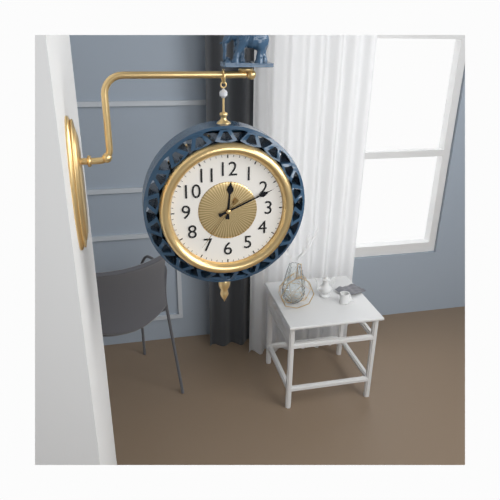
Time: {"hour": 12, "minute": 11, "second": 36}
